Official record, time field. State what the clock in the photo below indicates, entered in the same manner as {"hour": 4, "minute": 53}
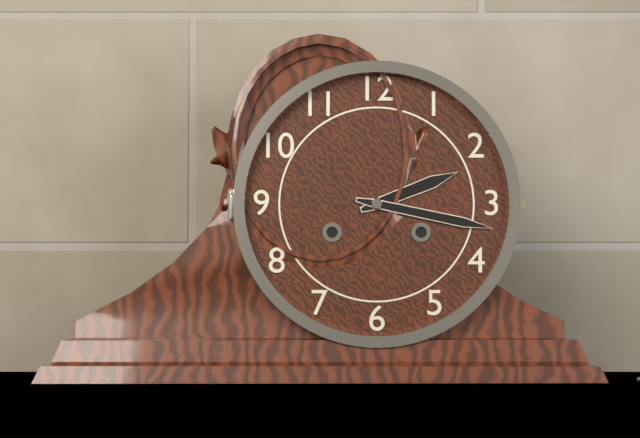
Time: {"hour": 2, "minute": 17}
